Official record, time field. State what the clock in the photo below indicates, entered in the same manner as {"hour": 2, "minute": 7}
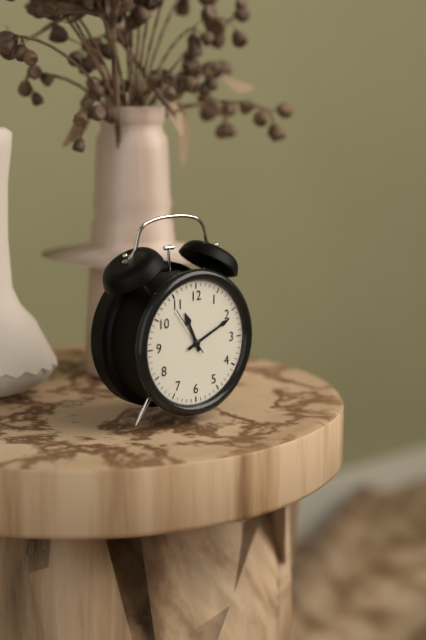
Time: {"hour": 11, "minute": 11}
